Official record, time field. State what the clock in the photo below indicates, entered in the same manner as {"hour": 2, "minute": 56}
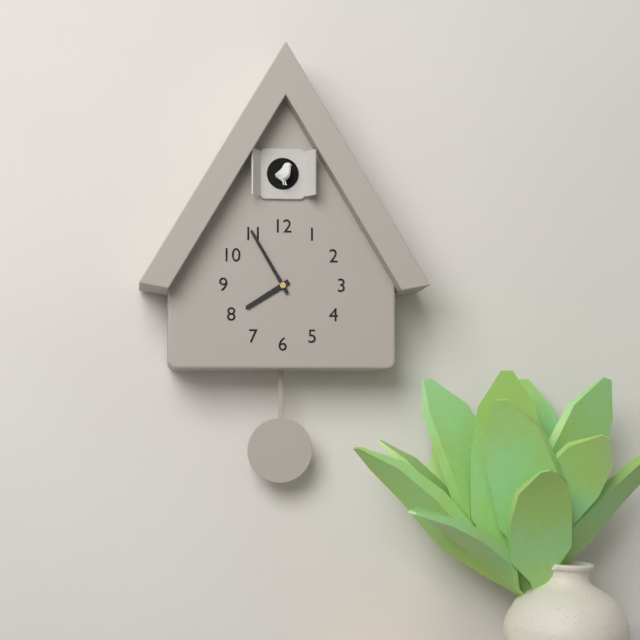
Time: {"hour": 7, "minute": 55}
